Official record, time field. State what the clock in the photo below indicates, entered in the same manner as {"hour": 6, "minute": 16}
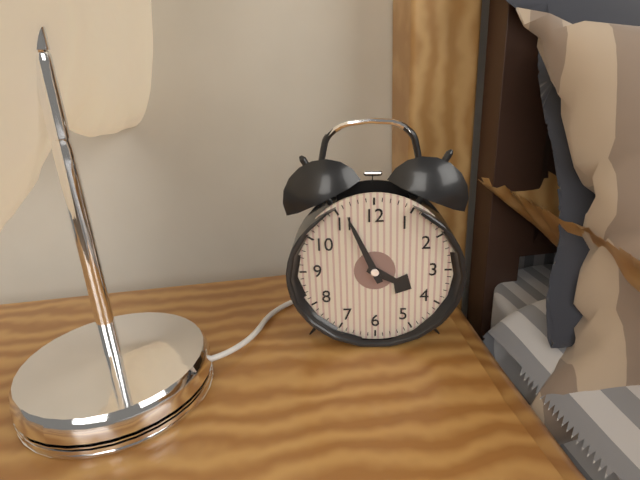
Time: {"hour": 3, "minute": 56}
